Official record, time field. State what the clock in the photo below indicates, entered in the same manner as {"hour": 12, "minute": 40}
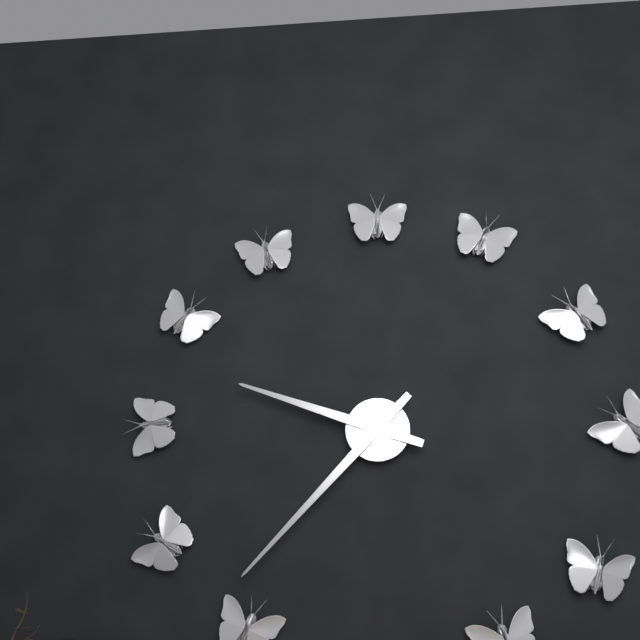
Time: {"hour": 9, "minute": 37}
